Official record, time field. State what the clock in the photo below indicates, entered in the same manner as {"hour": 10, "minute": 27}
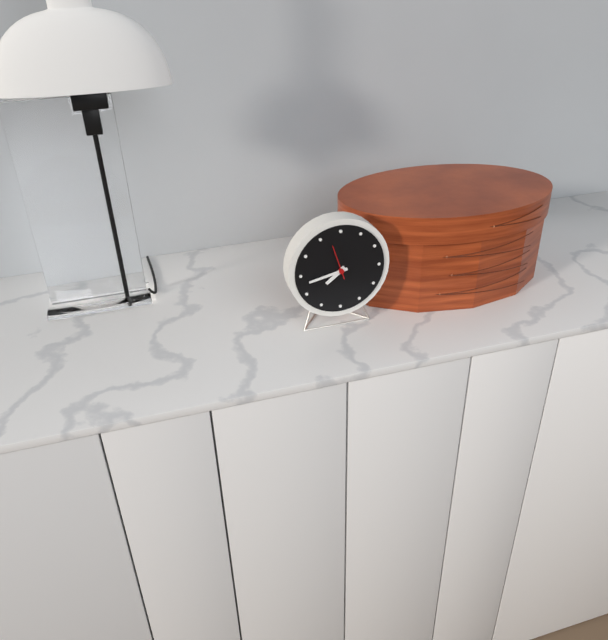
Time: {"hour": 7, "minute": 43}
